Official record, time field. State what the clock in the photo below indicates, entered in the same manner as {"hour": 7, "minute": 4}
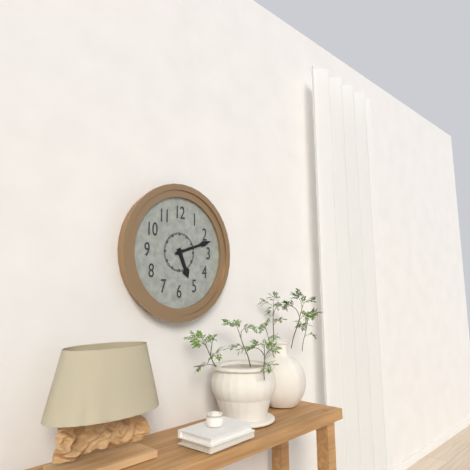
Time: {"hour": 5, "minute": 12}
